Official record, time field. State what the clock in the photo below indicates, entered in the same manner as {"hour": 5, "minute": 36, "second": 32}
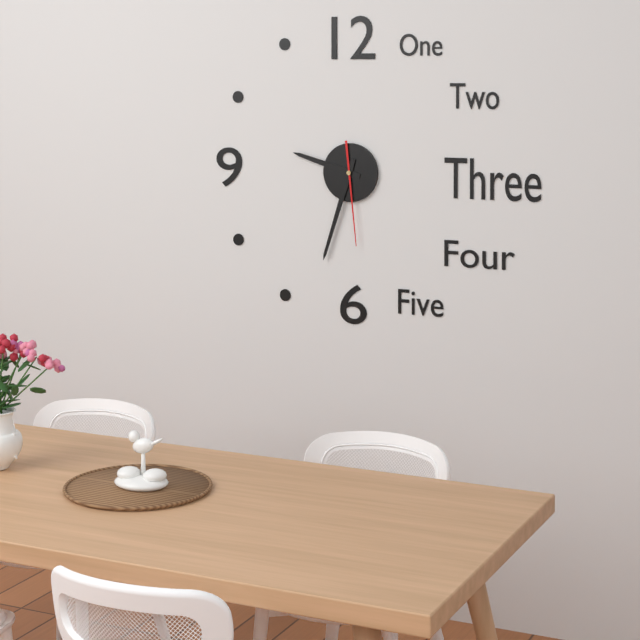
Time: {"hour": 9, "minute": 33, "second": 29}
